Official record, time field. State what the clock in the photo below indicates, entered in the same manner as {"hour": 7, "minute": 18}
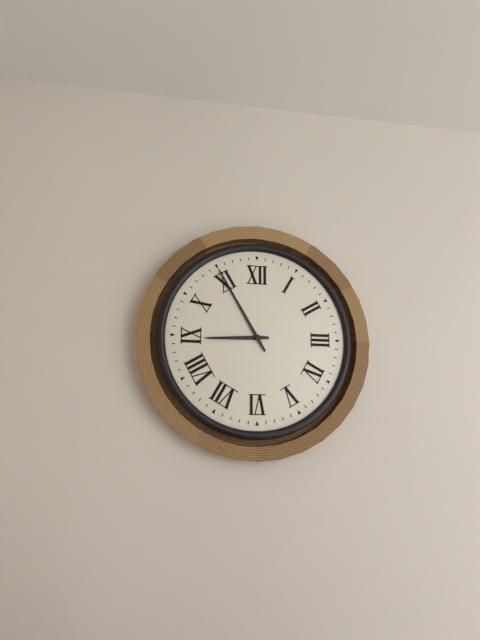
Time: {"hour": 8, "minute": 55}
